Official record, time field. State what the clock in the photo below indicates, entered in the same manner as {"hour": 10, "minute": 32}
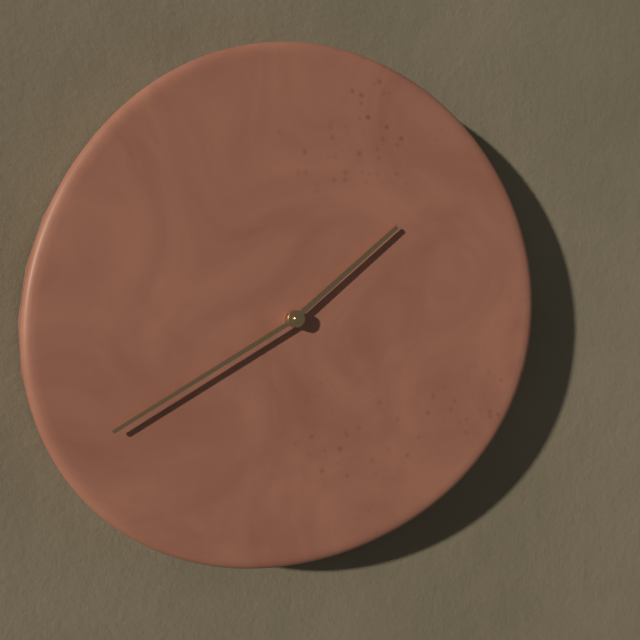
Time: {"hour": 1, "minute": 40}
